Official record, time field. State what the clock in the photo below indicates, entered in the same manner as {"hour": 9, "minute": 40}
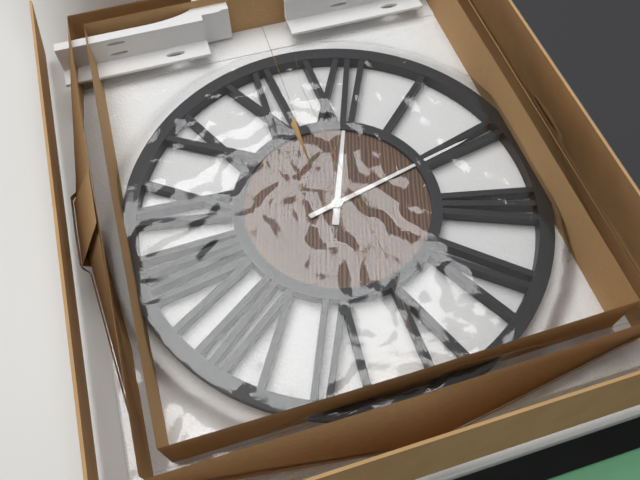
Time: {"hour": 12, "minute": 10}
